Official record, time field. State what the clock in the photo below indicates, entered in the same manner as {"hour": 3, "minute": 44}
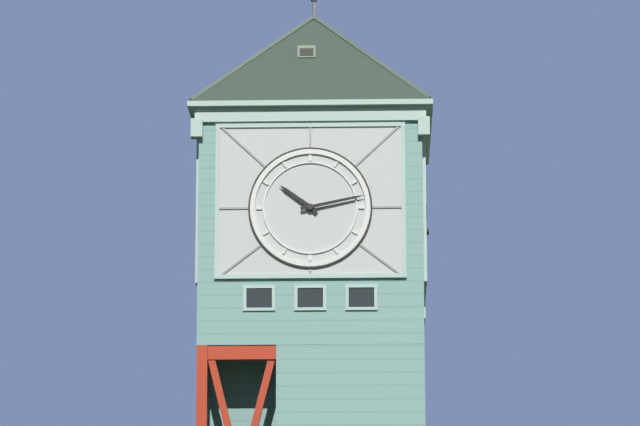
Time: {"hour": 10, "minute": 13}
